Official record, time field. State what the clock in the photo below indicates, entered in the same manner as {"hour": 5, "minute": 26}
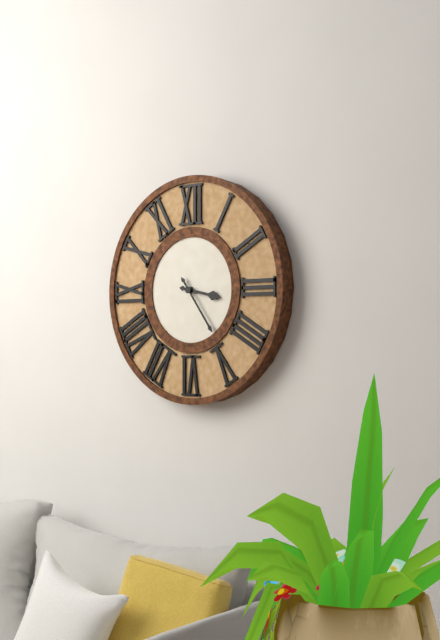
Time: {"hour": 3, "minute": 24}
